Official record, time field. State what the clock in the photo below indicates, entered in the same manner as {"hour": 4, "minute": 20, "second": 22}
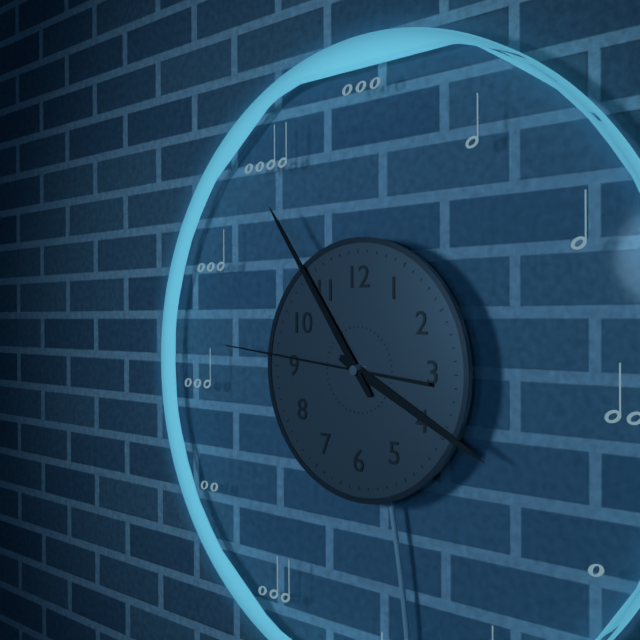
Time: {"hour": 3, "minute": 54, "second": 46}
